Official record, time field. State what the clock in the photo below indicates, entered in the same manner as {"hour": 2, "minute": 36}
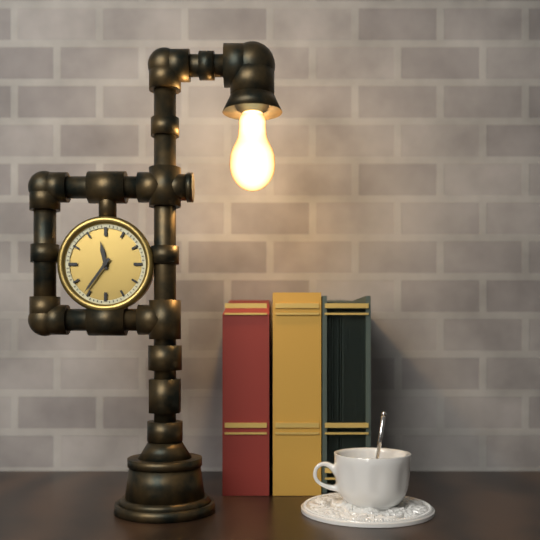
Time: {"hour": 11, "minute": 36}
